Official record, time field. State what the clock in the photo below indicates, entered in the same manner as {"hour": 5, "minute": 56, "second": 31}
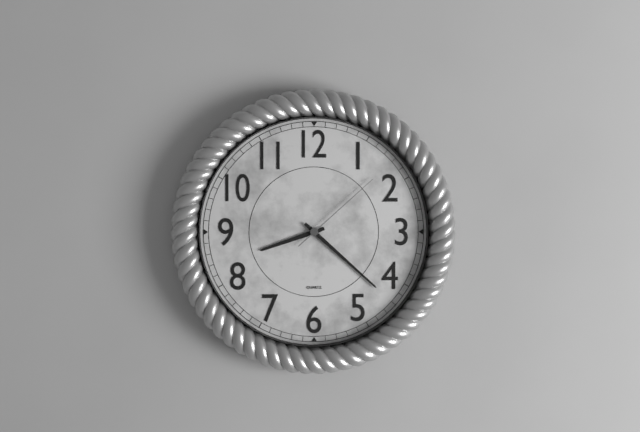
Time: {"hour": 8, "minute": 22, "second": 8}
